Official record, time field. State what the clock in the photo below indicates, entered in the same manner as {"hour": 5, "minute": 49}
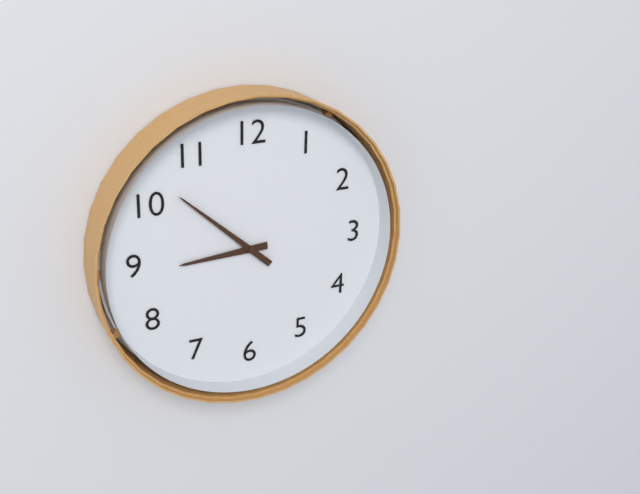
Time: {"hour": 8, "minute": 52}
